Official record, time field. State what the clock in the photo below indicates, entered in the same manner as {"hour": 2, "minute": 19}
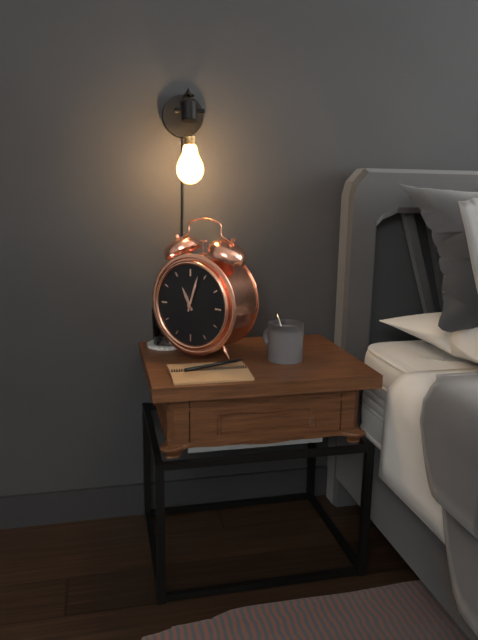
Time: {"hour": 11, "minute": 3}
